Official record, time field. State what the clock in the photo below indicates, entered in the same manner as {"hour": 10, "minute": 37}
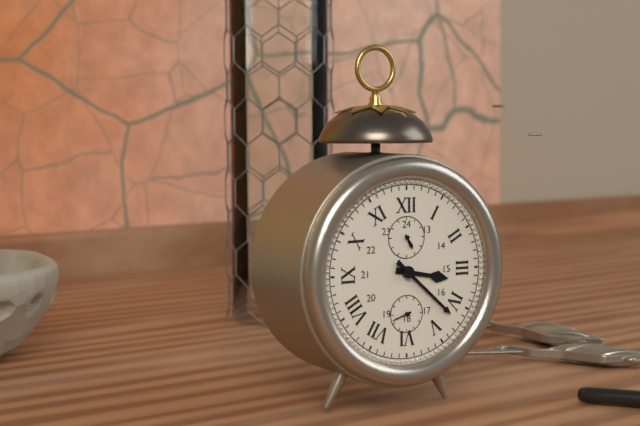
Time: {"hour": 3, "minute": 22}
